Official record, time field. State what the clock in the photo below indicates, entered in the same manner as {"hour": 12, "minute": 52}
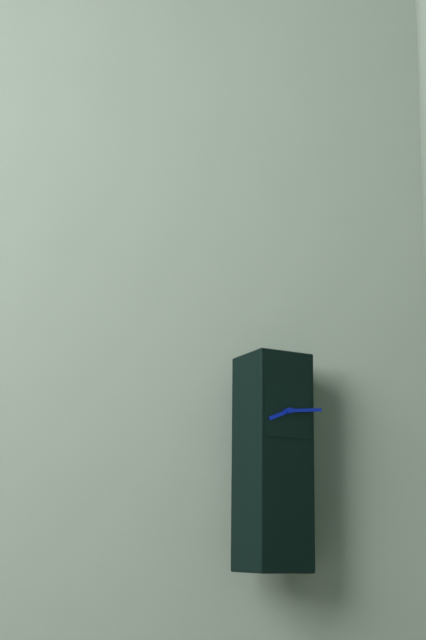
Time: {"hour": 8, "minute": 14}
